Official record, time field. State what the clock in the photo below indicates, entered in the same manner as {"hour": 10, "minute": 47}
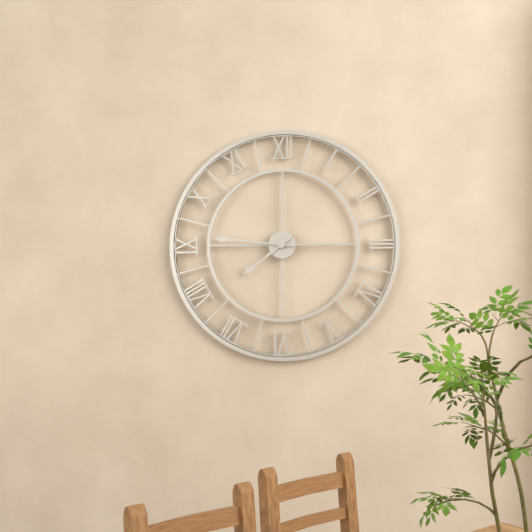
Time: {"hour": 7, "minute": 46}
